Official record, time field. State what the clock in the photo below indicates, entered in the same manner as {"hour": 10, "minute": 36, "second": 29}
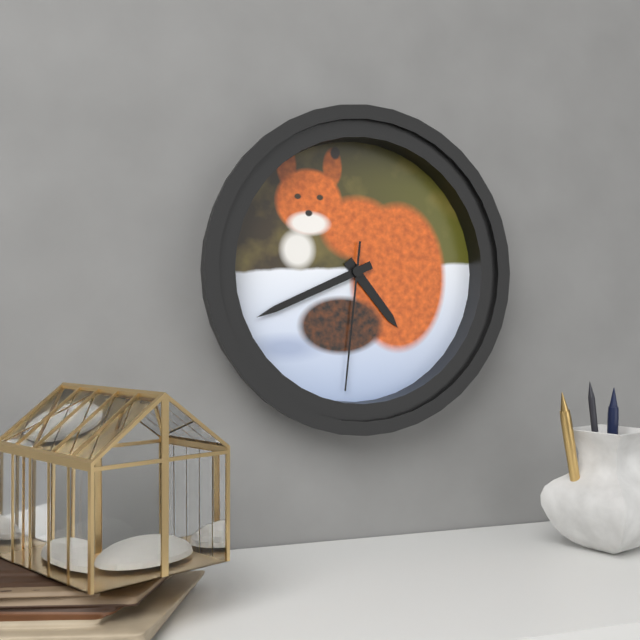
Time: {"hour": 4, "minute": 41, "second": 31}
